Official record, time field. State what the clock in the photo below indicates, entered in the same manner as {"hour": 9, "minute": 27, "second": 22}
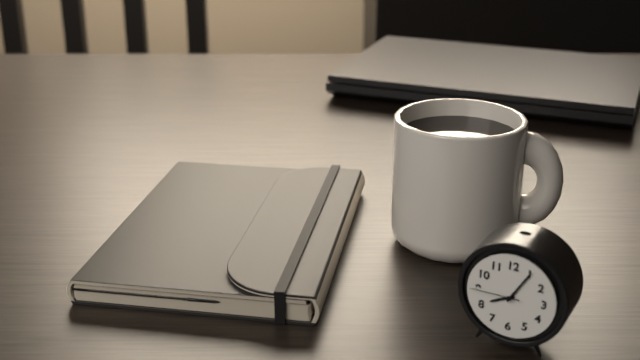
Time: {"hour": 8, "minute": 5, "second": 45}
